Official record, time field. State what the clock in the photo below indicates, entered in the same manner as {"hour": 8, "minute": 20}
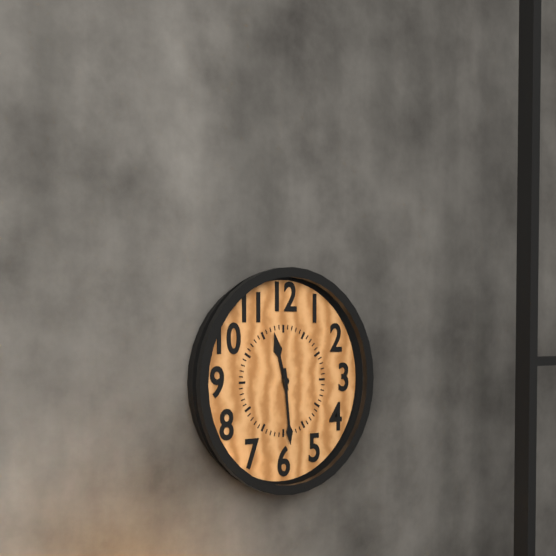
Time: {"hour": 11, "minute": 29}
